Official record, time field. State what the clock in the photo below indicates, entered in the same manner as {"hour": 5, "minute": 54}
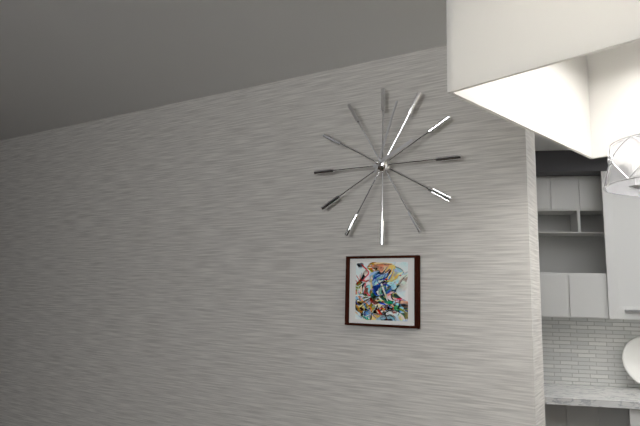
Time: {"hour": 2, "minute": 3}
